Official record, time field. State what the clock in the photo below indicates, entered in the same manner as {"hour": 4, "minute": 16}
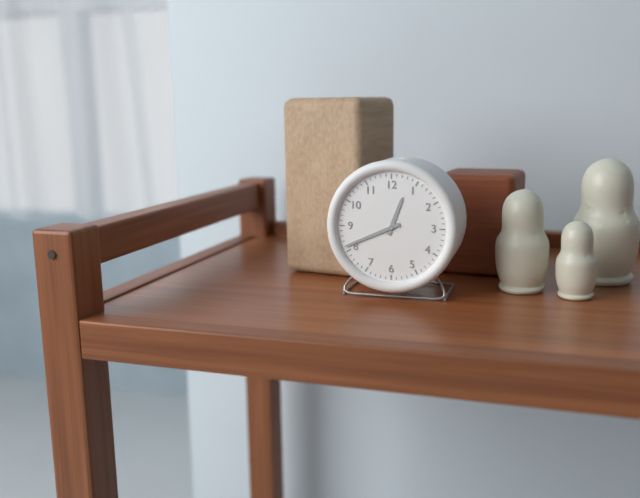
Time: {"hour": 12, "minute": 41}
